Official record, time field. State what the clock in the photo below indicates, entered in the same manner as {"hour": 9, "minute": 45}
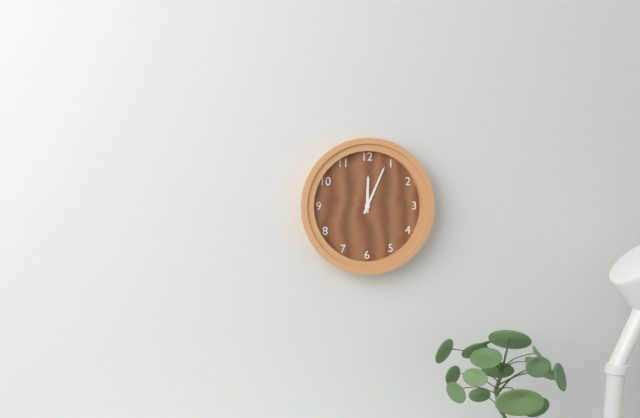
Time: {"hour": 12, "minute": 4}
